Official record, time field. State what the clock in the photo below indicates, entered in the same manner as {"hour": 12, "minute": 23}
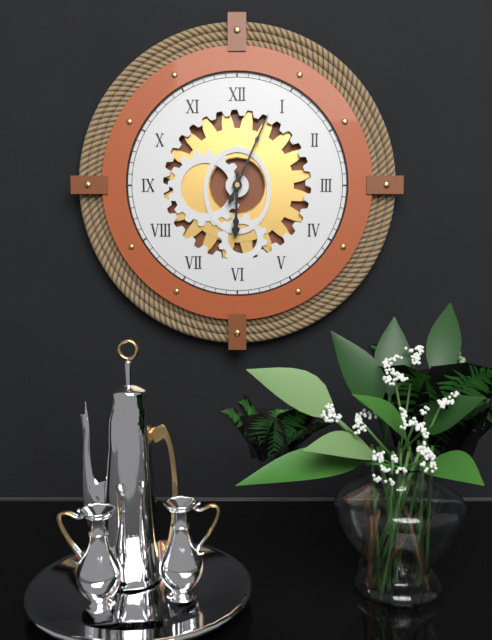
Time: {"hour": 6, "minute": 4}
